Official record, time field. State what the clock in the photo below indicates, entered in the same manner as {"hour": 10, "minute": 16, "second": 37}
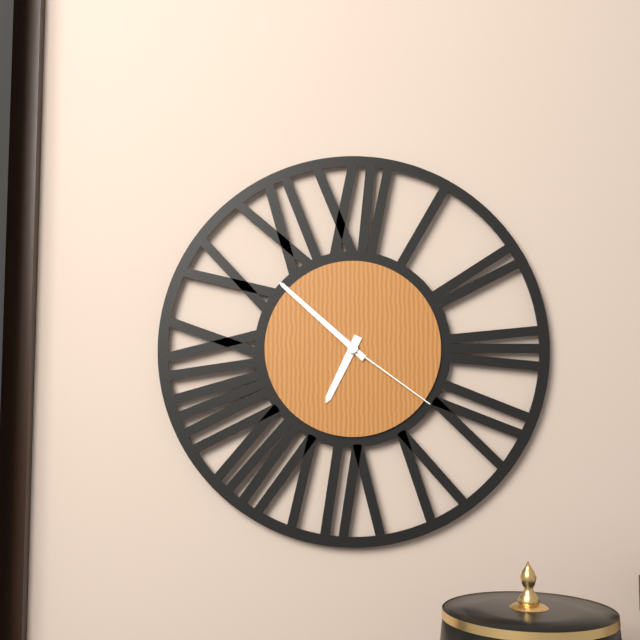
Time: {"hour": 6, "minute": 52, "second": 21}
